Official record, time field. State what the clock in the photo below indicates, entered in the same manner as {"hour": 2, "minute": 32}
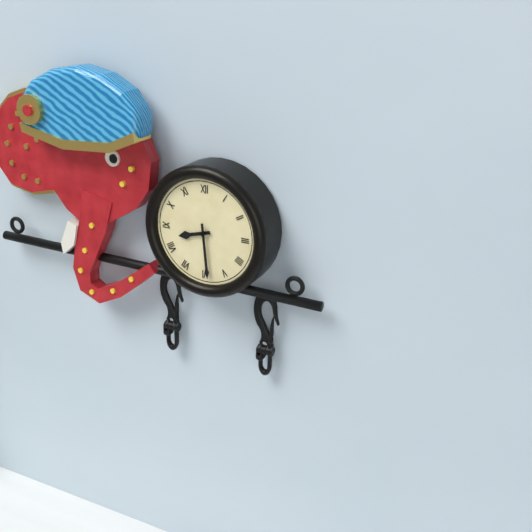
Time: {"hour": 8, "minute": 29}
